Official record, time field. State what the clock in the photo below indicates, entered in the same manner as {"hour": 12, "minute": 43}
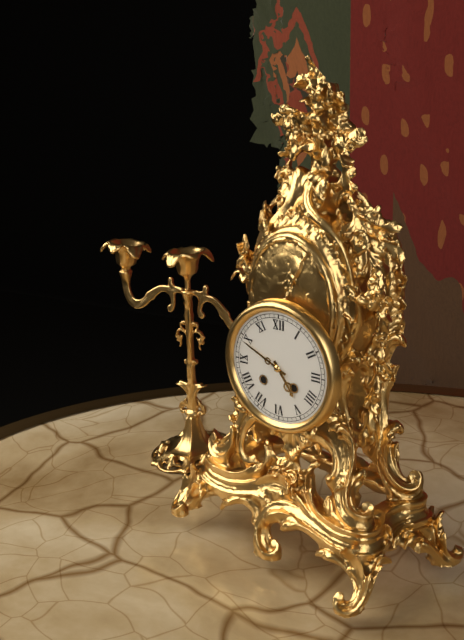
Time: {"hour": 4, "minute": 49}
